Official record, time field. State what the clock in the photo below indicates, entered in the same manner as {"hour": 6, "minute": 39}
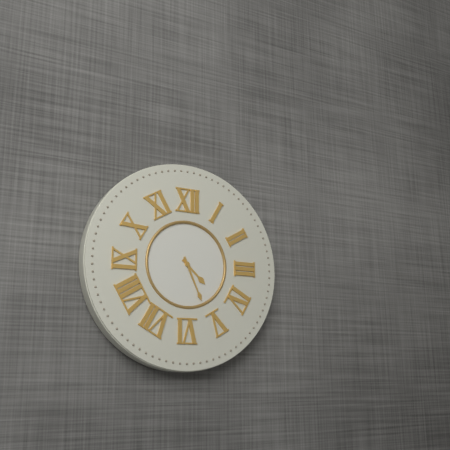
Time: {"hour": 4, "minute": 26}
